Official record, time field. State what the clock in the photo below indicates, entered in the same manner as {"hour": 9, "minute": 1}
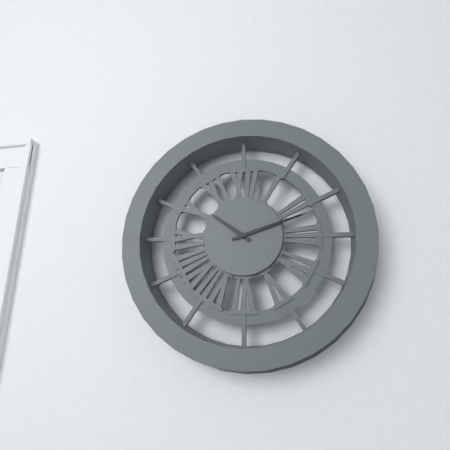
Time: {"hour": 10, "minute": 12}
